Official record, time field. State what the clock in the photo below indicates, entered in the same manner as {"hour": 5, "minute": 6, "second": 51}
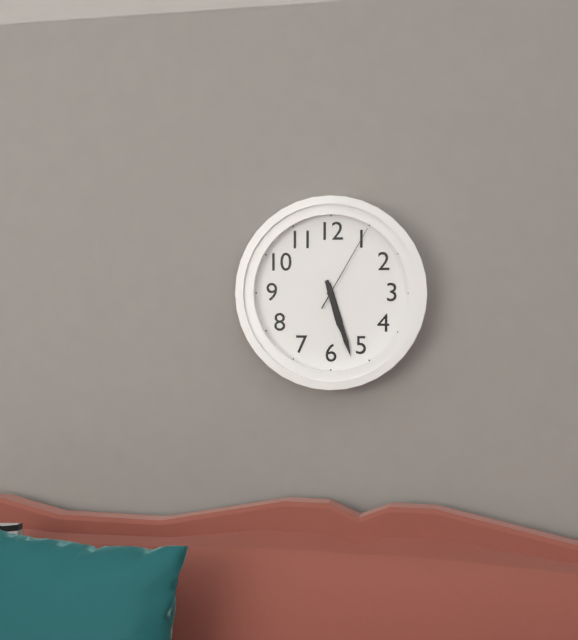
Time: {"hour": 5, "minute": 27, "second": 5}
